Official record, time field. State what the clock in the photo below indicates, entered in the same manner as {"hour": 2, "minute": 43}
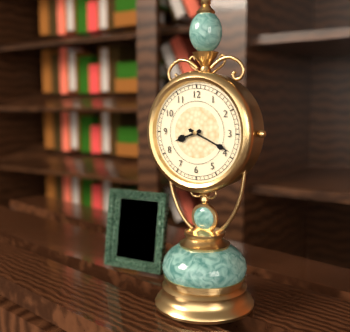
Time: {"hour": 8, "minute": 19}
